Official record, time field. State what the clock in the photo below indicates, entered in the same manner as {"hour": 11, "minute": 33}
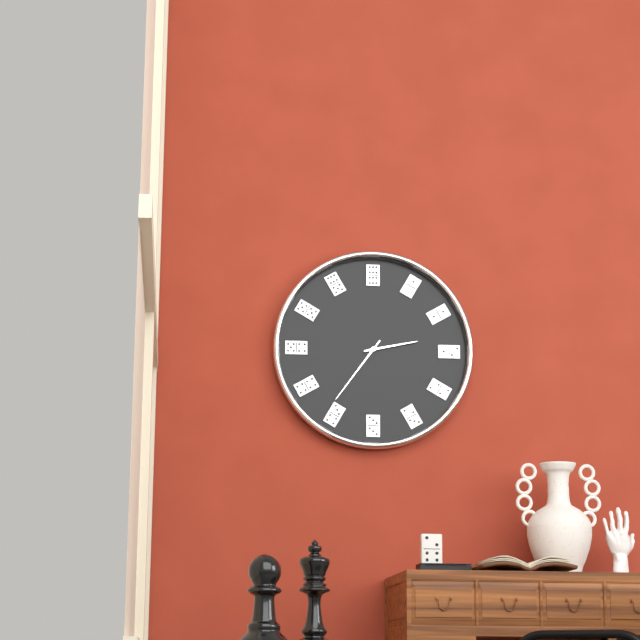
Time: {"hour": 2, "minute": 36}
